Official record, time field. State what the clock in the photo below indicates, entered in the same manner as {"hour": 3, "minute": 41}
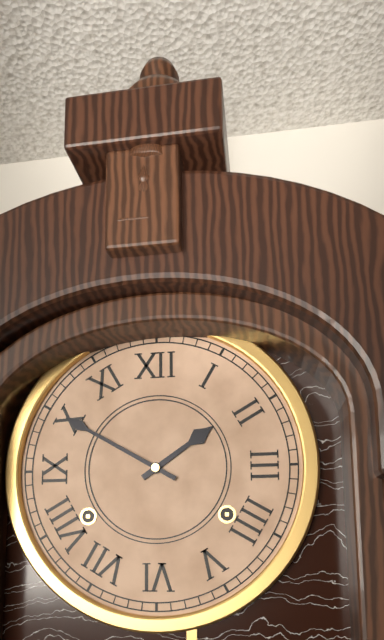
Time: {"hour": 1, "minute": 50}
